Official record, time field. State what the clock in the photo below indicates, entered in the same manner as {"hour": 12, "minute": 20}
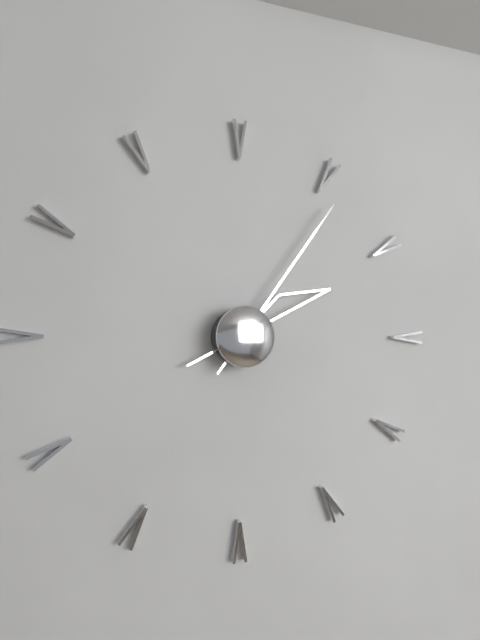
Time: {"hour": 2, "minute": 6}
